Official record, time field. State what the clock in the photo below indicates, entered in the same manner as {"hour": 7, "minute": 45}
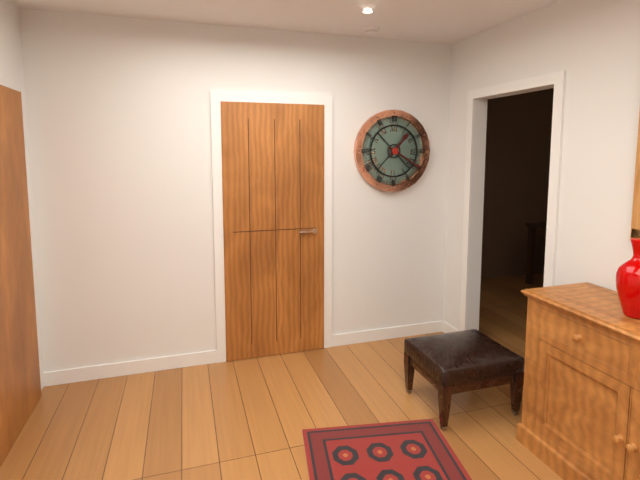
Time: {"hour": 1, "minute": 20}
